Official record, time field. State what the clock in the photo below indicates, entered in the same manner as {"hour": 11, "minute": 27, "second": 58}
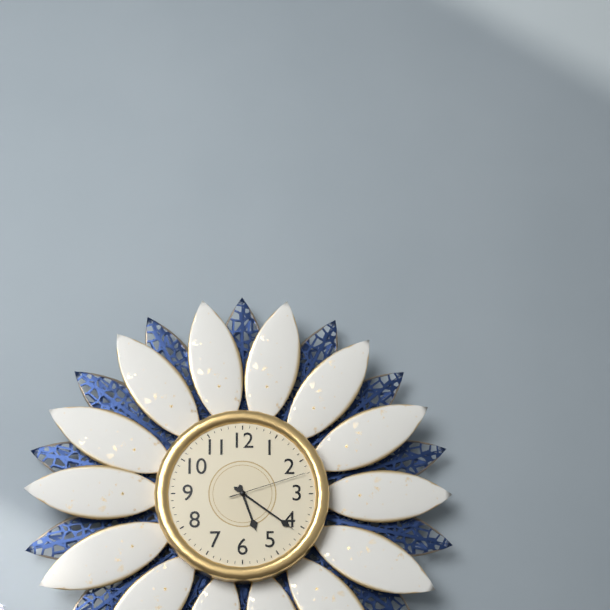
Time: {"hour": 5, "minute": 21, "second": 12}
